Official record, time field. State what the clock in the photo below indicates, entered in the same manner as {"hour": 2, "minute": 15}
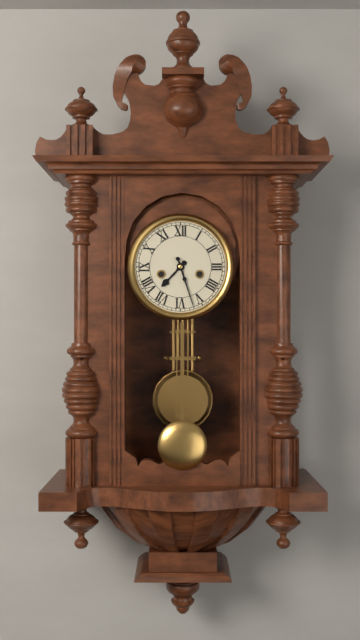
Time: {"hour": 7, "minute": 27}
